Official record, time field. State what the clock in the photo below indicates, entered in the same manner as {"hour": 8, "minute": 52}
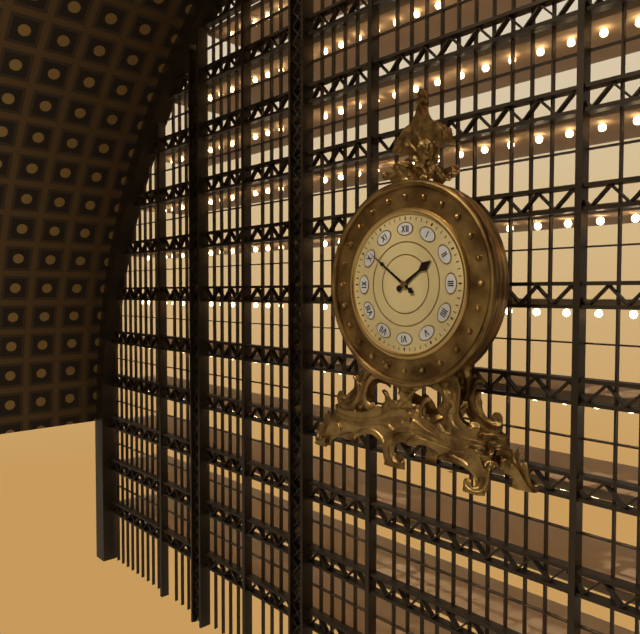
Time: {"hour": 1, "minute": 51}
